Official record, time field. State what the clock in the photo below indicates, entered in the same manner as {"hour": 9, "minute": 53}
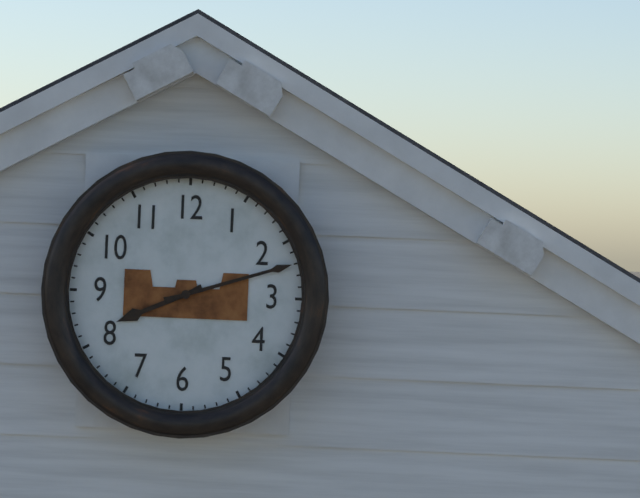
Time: {"hour": 8, "minute": 12}
